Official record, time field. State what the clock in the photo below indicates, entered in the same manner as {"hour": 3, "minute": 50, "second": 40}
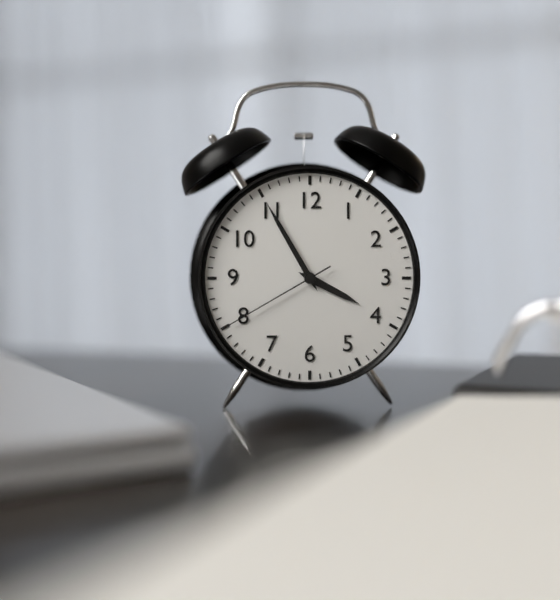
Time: {"hour": 3, "minute": 55, "second": 40}
